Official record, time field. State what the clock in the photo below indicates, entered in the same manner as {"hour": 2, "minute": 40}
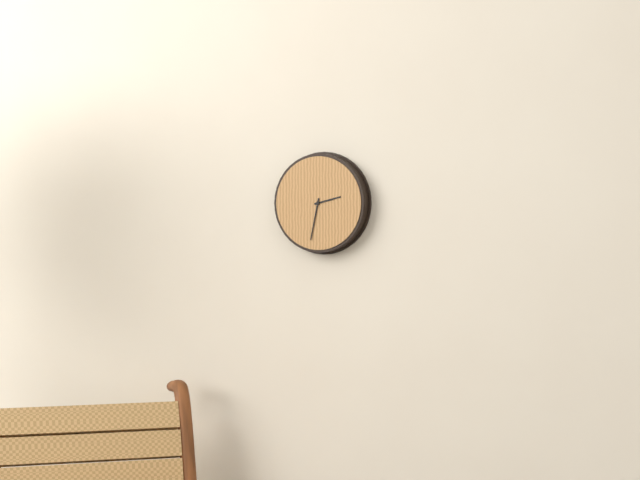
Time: {"hour": 2, "minute": 32}
